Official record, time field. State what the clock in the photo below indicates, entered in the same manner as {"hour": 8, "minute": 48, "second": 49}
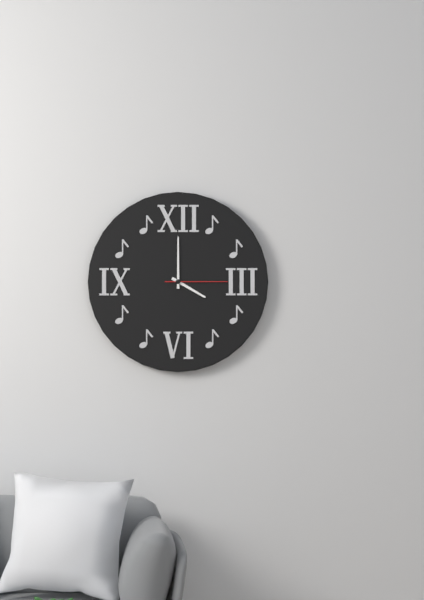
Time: {"hour": 4, "minute": 0, "second": 15}
